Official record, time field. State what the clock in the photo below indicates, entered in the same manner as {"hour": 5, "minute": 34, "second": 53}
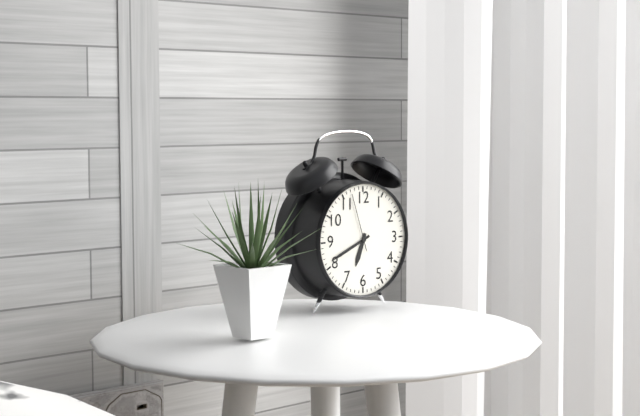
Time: {"hour": 6, "minute": 41, "second": 57}
